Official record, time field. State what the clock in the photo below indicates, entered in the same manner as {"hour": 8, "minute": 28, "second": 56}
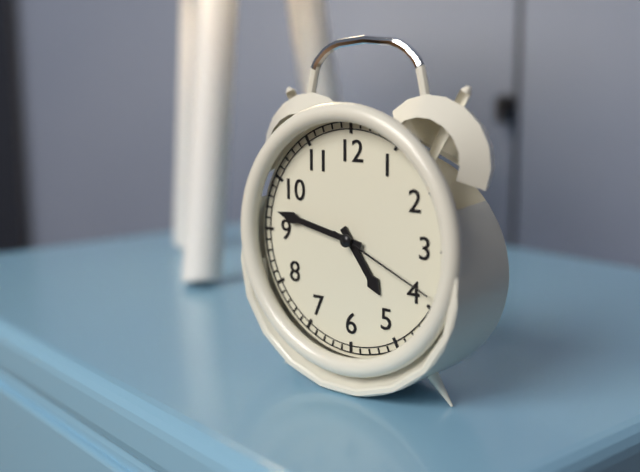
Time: {"hour": 4, "minute": 47, "second": 19}
